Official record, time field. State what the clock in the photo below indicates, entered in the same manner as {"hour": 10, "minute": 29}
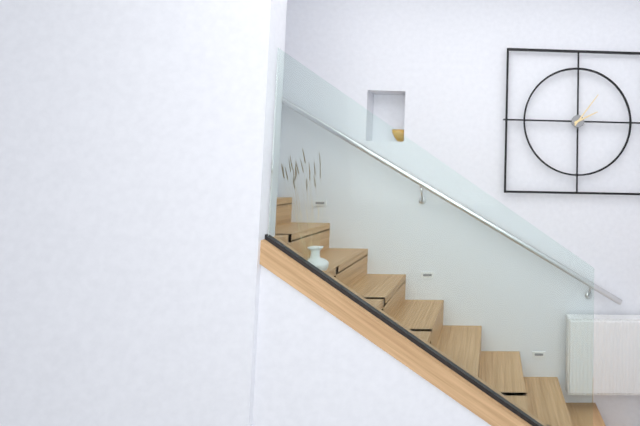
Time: {"hour": 2, "minute": 6}
